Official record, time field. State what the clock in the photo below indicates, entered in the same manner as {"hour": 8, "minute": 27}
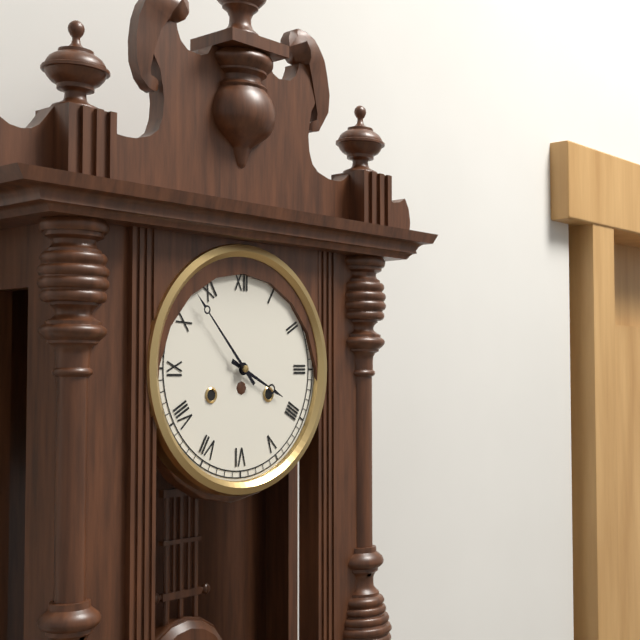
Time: {"hour": 3, "minute": 53}
